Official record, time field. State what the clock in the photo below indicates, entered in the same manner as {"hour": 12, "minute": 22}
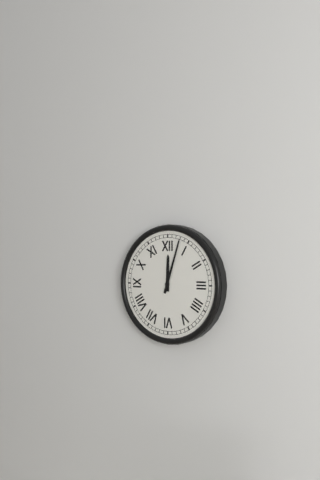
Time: {"hour": 12, "minute": 3}
